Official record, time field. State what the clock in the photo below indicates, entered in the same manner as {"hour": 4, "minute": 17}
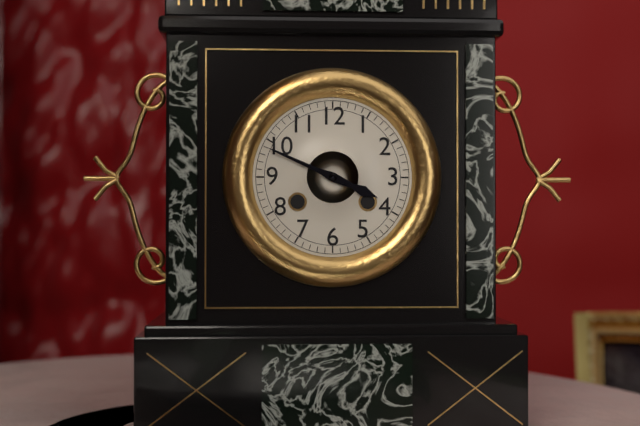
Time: {"hour": 3, "minute": 49}
